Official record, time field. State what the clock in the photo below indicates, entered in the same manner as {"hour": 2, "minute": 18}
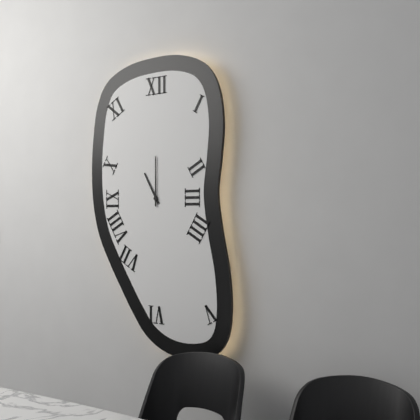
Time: {"hour": 11, "minute": 0}
